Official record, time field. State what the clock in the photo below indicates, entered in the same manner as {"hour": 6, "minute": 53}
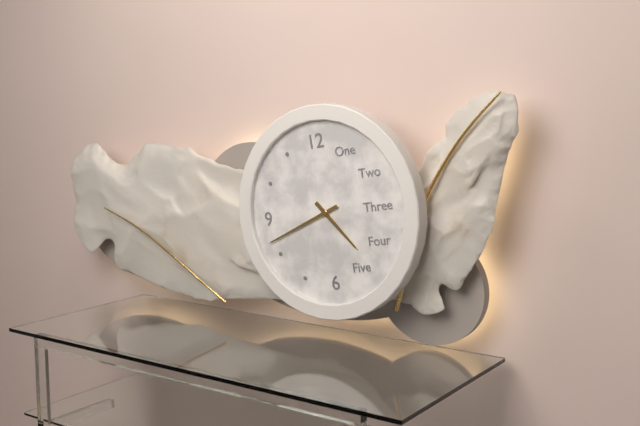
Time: {"hour": 4, "minute": 42}
